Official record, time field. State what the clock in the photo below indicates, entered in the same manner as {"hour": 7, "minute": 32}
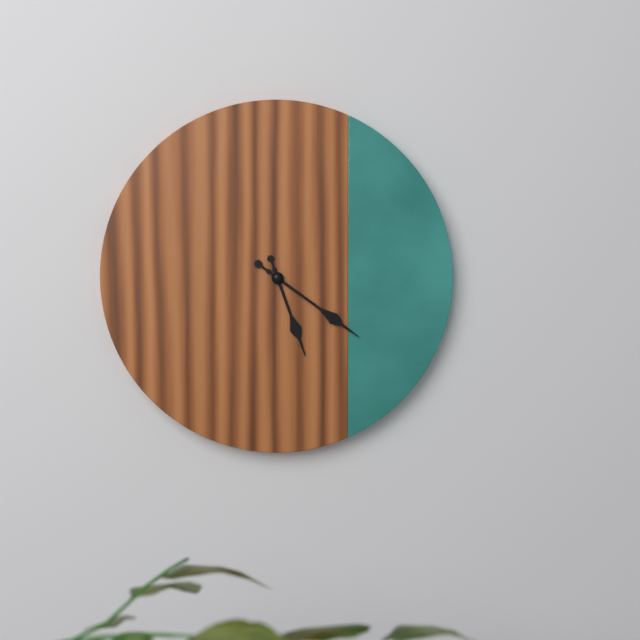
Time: {"hour": 5, "minute": 21}
